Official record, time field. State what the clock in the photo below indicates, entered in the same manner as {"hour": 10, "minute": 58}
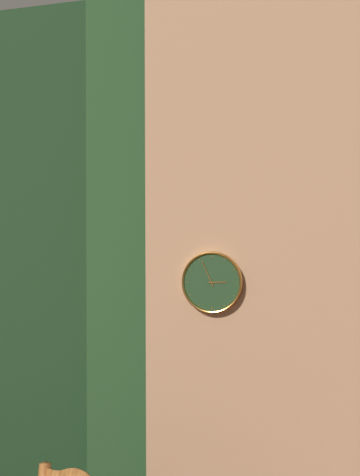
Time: {"hour": 2, "minute": 56}
